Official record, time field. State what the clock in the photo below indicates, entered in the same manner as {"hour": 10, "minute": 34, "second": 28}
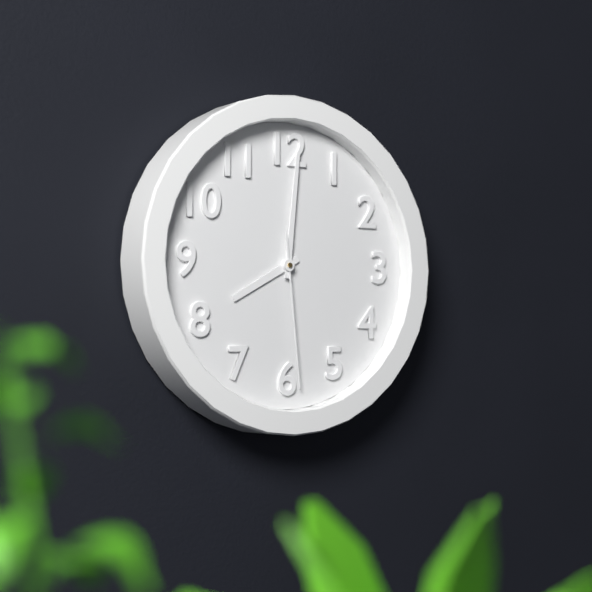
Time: {"hour": 8, "minute": 1, "second": 29}
